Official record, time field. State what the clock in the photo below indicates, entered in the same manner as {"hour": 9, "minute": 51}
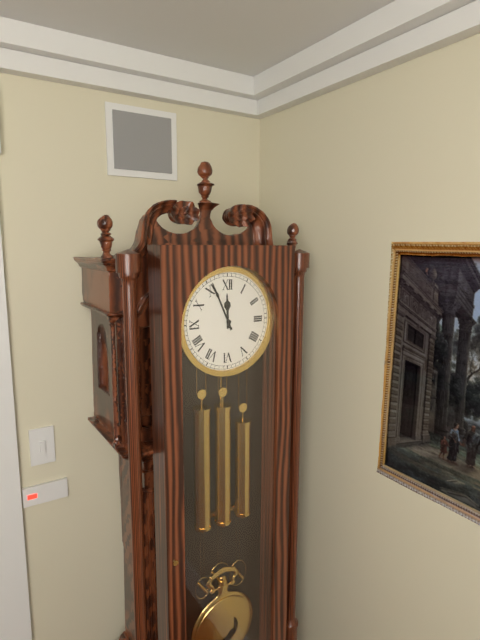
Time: {"hour": 11, "minute": 56}
